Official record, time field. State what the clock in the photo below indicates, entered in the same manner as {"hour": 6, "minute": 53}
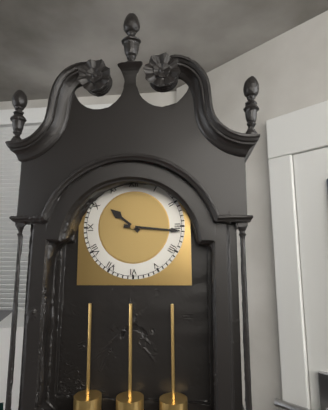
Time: {"hour": 10, "minute": 16}
